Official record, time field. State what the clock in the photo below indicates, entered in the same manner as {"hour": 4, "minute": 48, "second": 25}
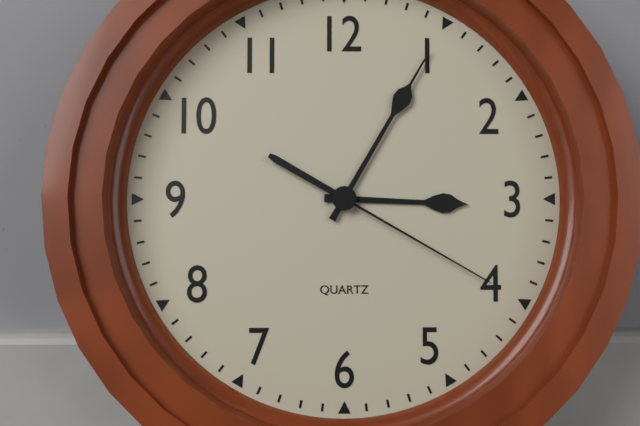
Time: {"hour": 3, "minute": 5, "second": 20}
